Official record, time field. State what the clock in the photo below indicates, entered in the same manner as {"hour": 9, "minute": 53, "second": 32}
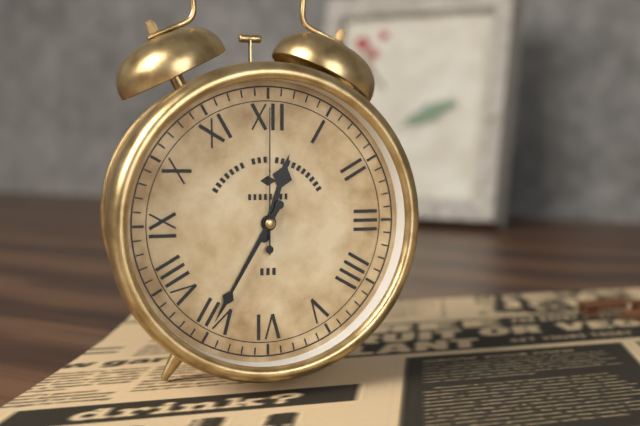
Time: {"hour": 12, "minute": 35, "second": 0}
